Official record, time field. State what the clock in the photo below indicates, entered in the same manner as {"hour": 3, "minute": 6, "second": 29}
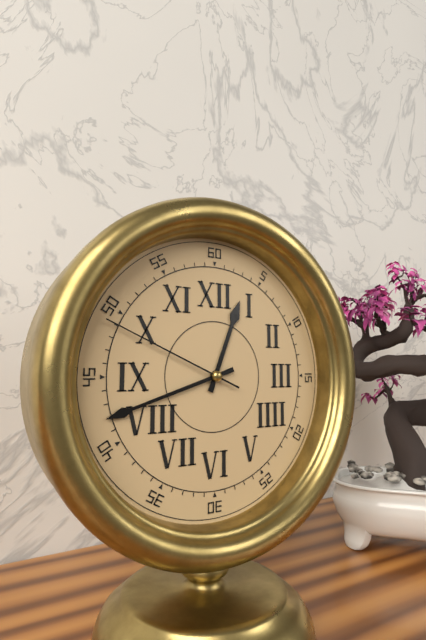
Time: {"hour": 12, "minute": 42, "second": 49}
